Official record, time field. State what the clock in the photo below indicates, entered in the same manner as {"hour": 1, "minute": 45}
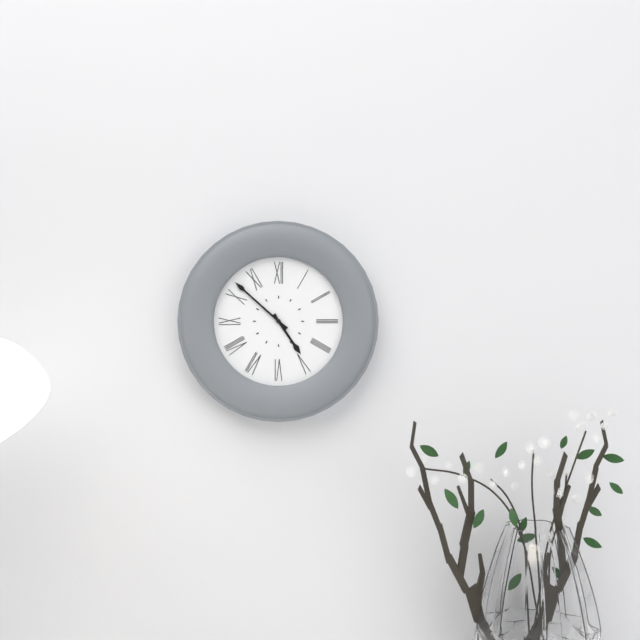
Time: {"hour": 4, "minute": 52}
